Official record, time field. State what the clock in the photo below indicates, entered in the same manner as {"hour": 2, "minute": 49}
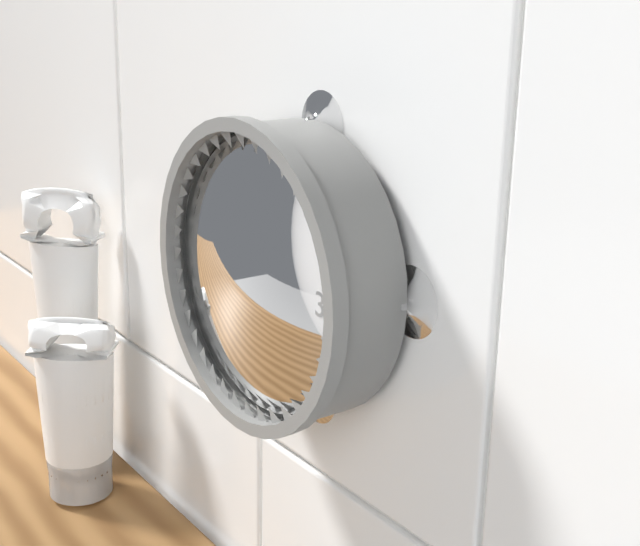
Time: {"hour": 4, "minute": 0}
